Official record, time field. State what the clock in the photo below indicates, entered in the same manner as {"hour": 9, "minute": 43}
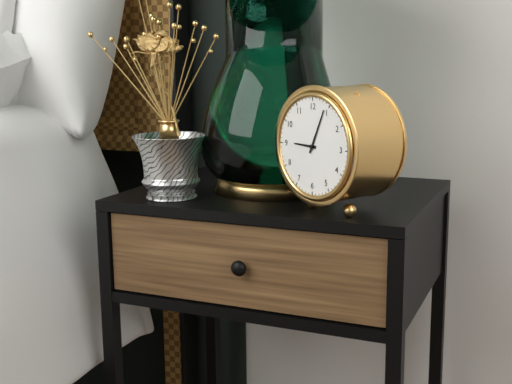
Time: {"hour": 9, "minute": 4}
